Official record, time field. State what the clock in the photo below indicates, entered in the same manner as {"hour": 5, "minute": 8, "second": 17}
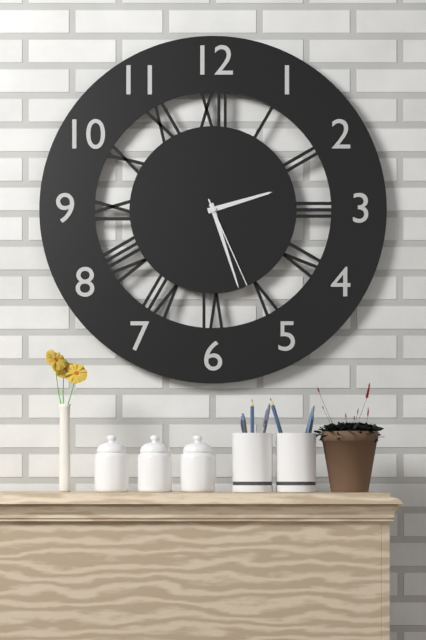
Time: {"hour": 2, "minute": 27, "second": 26}
